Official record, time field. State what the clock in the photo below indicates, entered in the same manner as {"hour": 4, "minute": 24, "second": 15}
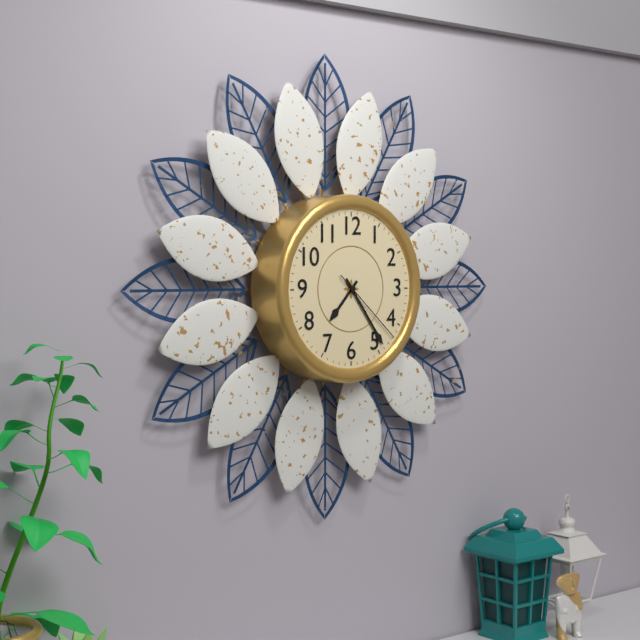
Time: {"hour": 7, "minute": 24, "second": 22}
